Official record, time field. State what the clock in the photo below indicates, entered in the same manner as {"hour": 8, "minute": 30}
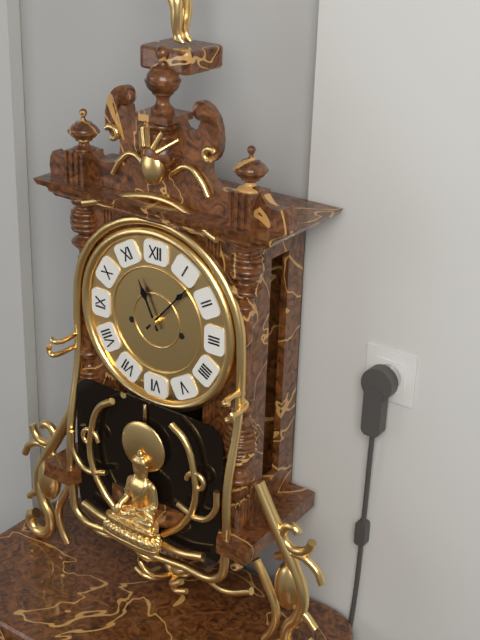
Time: {"hour": 11, "minute": 7}
